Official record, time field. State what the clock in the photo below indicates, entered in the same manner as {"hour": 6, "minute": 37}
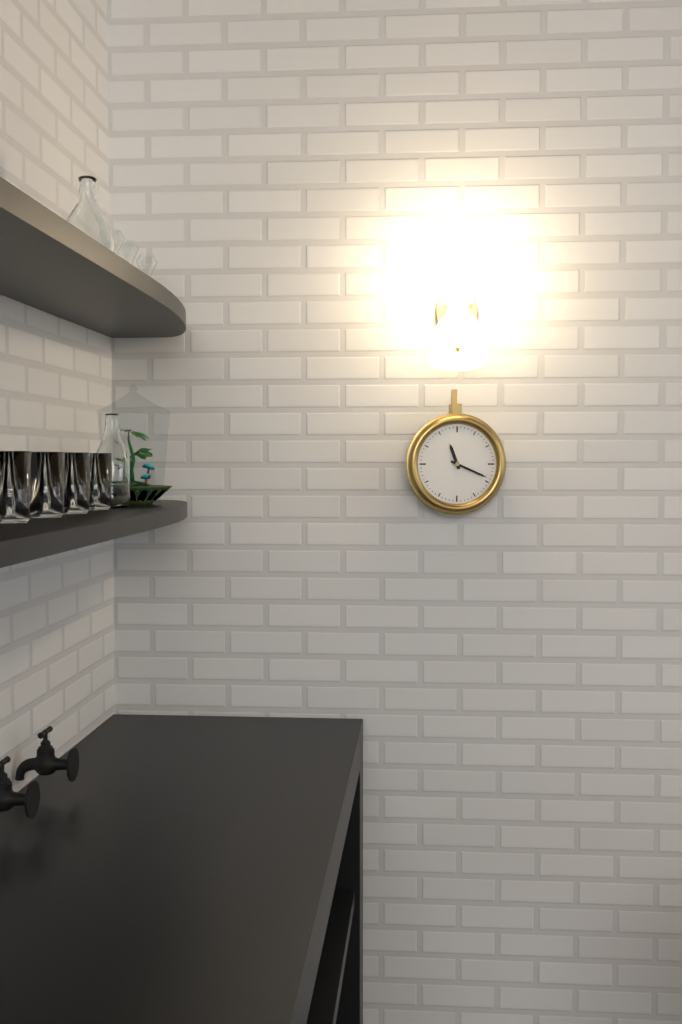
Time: {"hour": 11, "minute": 19}
